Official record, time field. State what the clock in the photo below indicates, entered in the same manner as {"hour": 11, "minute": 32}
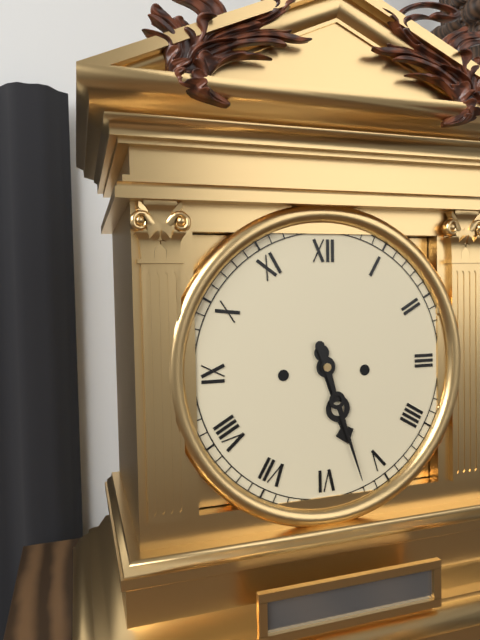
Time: {"hour": 5, "minute": 27}
